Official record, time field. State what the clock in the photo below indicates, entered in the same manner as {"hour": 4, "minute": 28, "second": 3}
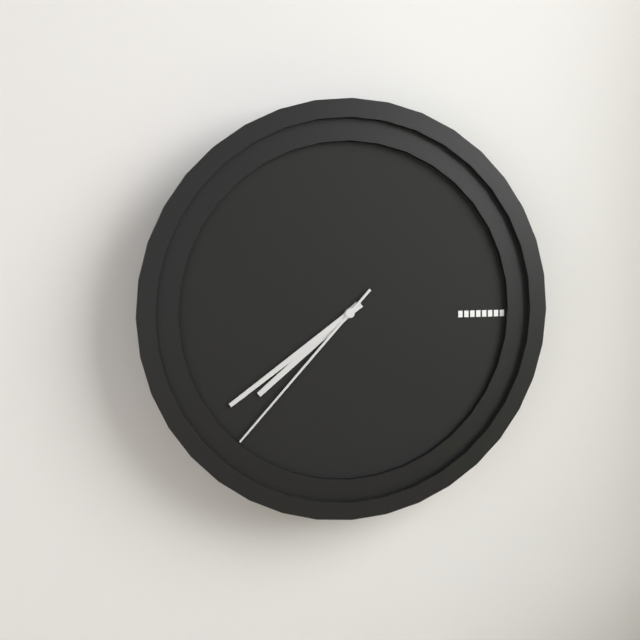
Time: {"hour": 7, "minute": 39, "second": 37}
